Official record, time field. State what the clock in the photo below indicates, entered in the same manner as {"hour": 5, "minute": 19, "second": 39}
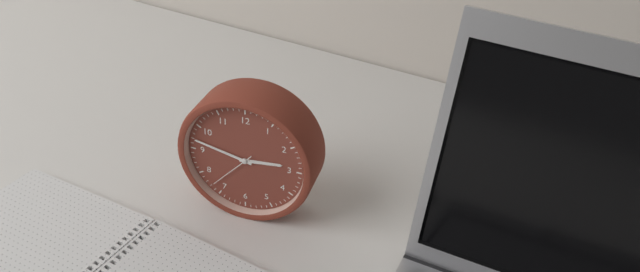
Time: {"hour": 2, "minute": 47, "second": 37}
